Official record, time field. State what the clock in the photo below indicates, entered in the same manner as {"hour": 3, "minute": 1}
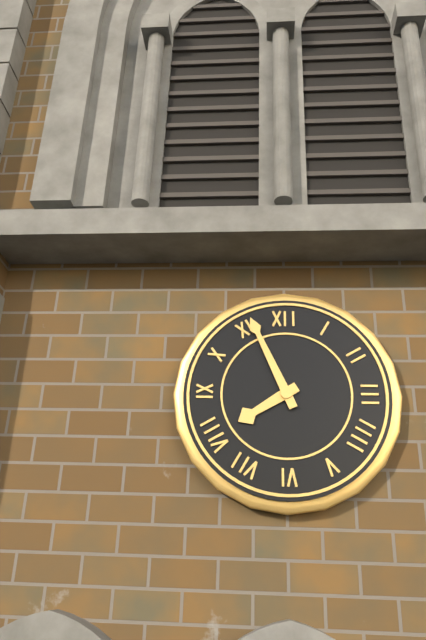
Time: {"hour": 7, "minute": 56}
